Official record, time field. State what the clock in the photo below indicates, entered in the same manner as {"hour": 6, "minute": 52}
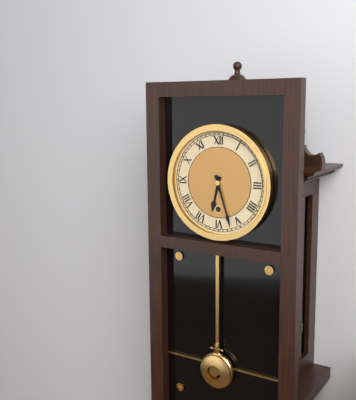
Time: {"hour": 6, "minute": 27}
